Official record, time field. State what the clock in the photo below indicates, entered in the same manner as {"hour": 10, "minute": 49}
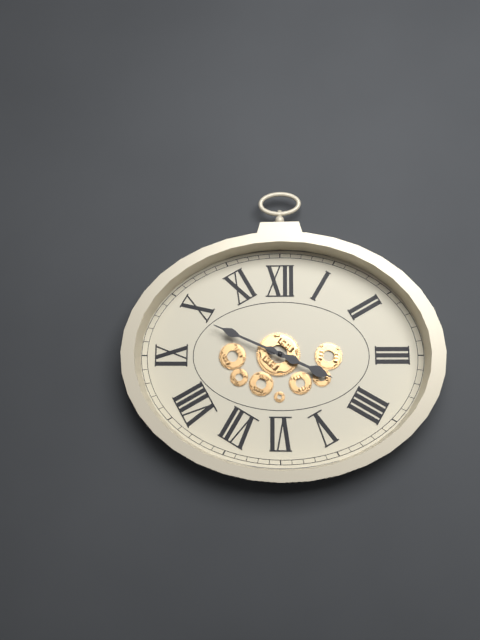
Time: {"hour": 3, "minute": 49}
